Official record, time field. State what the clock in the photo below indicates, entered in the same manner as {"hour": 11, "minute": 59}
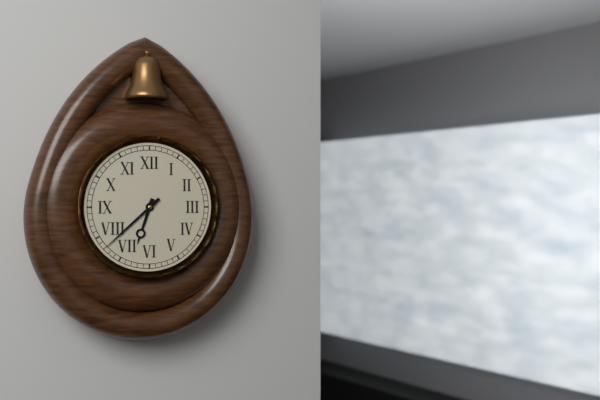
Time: {"hour": 6, "minute": 38}
